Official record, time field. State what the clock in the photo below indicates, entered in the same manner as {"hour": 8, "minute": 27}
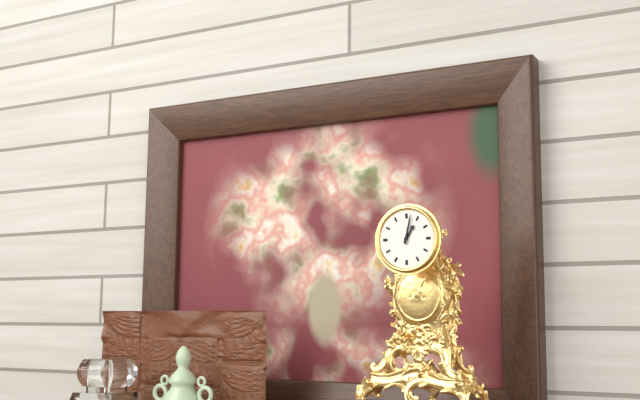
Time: {"hour": 1, "minute": 2}
